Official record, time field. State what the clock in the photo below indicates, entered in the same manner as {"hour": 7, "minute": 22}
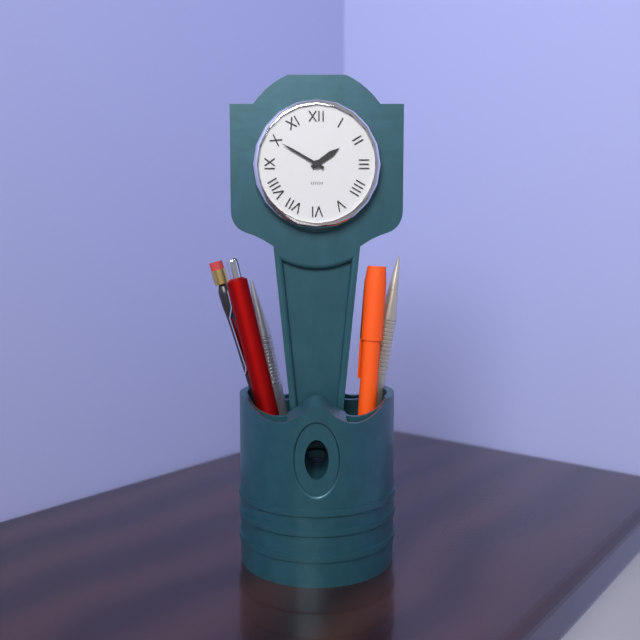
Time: {"hour": 1, "minute": 50}
